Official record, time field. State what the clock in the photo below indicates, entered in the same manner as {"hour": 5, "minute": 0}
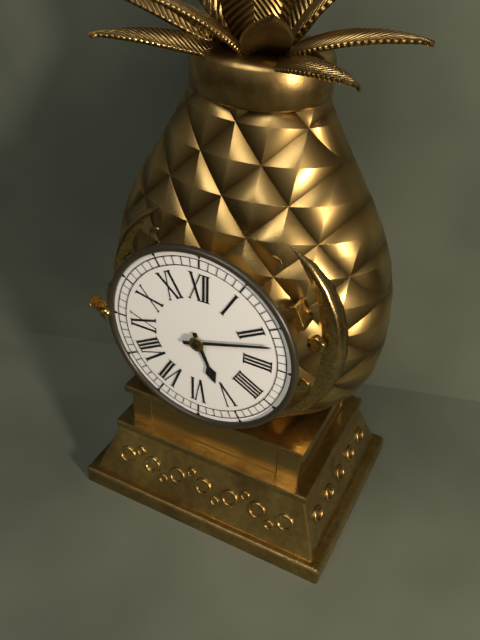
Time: {"hour": 5, "minute": 12}
